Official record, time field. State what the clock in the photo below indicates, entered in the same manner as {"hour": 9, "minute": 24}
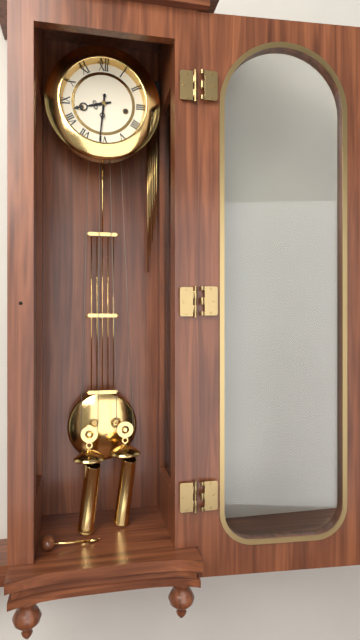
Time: {"hour": 8, "minute": 31}
